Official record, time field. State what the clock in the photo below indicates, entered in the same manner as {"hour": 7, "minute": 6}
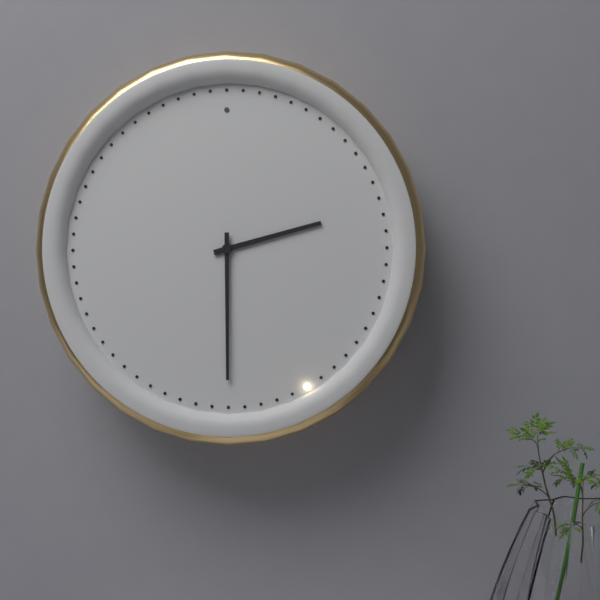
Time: {"hour": 2, "minute": 30}
